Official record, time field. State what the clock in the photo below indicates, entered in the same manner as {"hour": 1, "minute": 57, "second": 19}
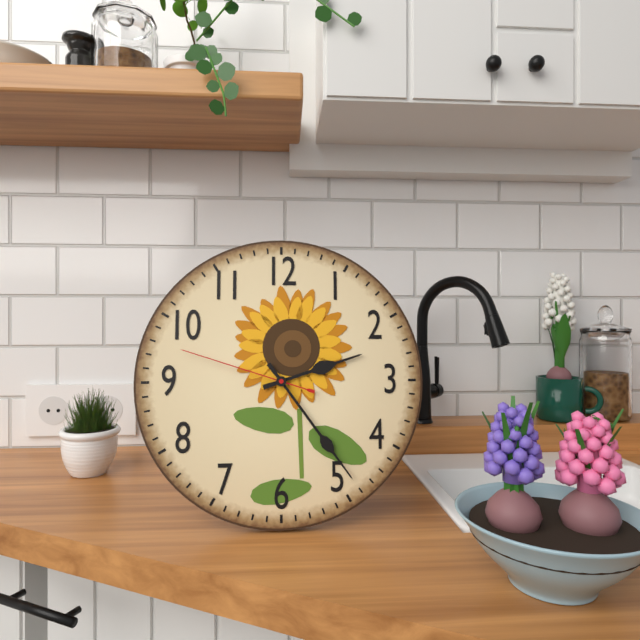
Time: {"hour": 2, "minute": 24, "second": 48}
